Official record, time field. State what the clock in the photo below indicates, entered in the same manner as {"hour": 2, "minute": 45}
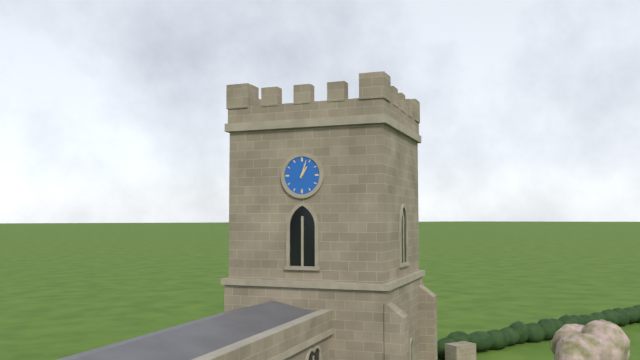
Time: {"hour": 1, "minute": 3}
